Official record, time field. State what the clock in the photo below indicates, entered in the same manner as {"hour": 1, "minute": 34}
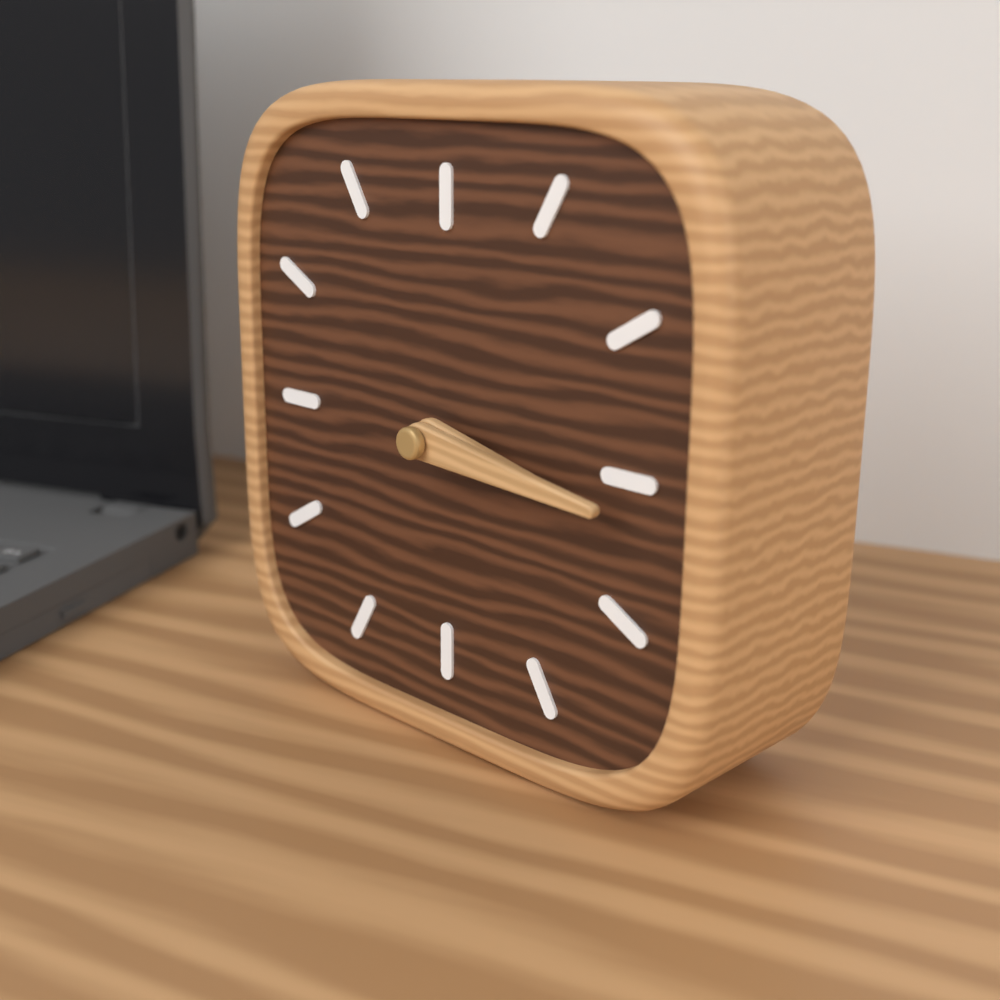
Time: {"hour": 3, "minute": 16}
